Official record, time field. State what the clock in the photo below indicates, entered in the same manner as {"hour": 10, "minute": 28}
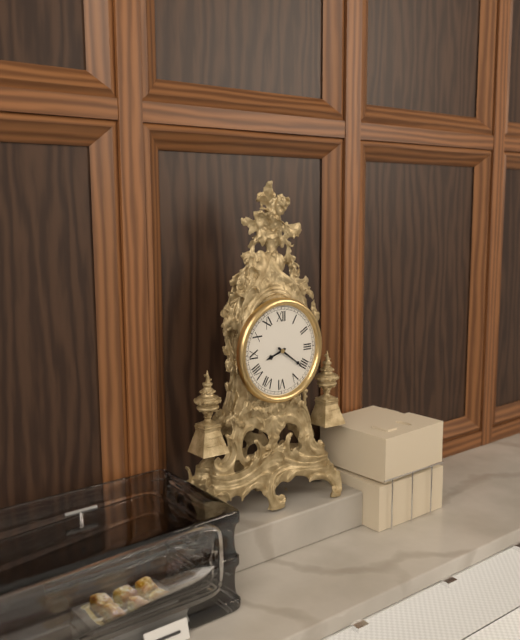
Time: {"hour": 8, "minute": 21}
